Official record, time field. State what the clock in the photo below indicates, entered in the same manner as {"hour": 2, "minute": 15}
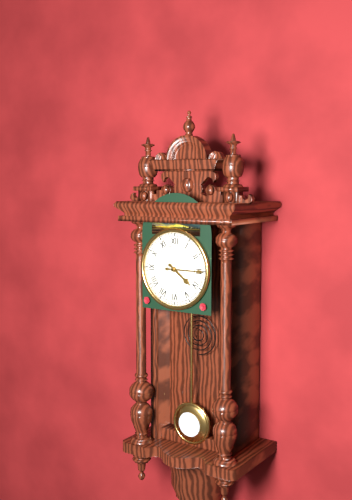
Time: {"hour": 4, "minute": 15}
